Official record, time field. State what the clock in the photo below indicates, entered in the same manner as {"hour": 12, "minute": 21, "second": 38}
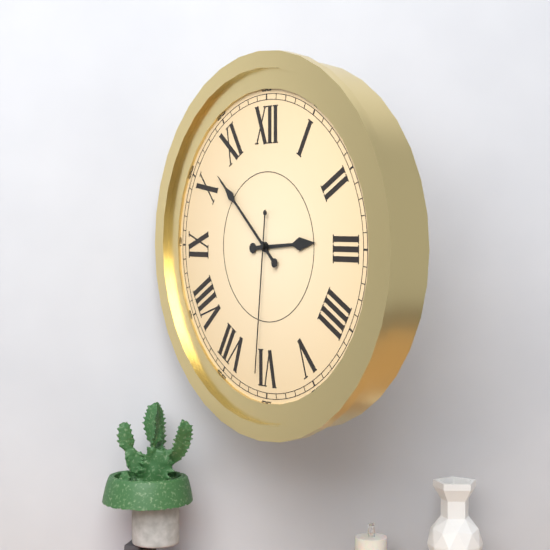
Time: {"hour": 2, "minute": 52, "second": 31}
